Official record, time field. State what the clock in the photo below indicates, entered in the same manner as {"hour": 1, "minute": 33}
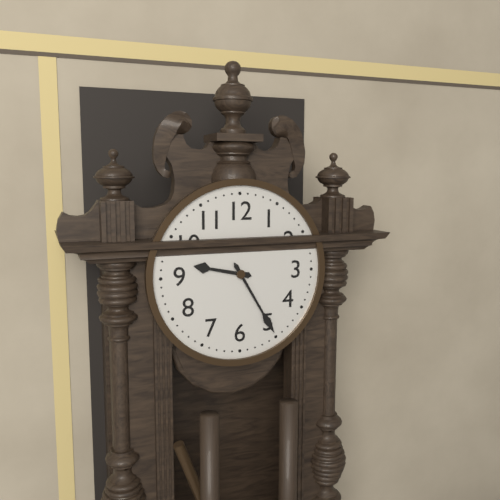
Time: {"hour": 9, "minute": 25}
